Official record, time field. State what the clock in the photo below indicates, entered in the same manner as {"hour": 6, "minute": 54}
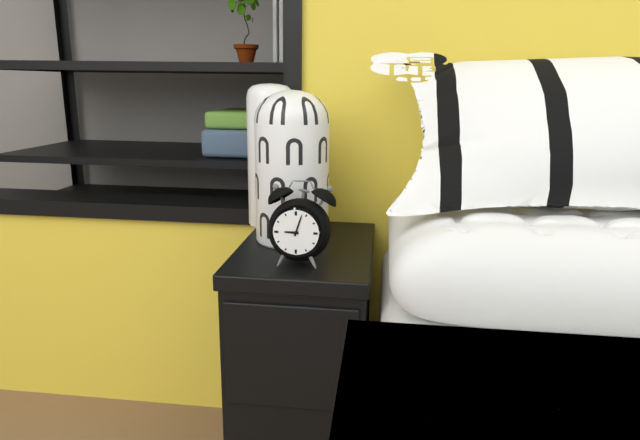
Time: {"hour": 9, "minute": 3}
